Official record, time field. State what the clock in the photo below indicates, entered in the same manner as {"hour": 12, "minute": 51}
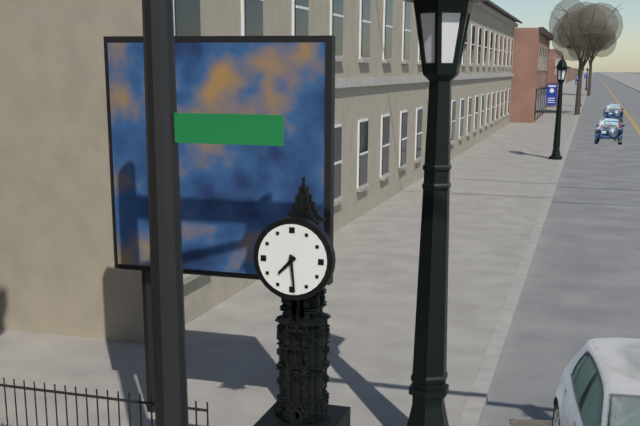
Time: {"hour": 7, "minute": 29}
